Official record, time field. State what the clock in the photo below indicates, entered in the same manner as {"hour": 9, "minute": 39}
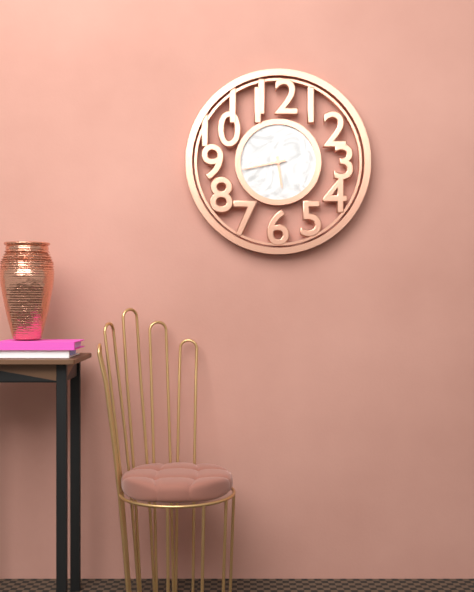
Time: {"hour": 5, "minute": 43}
